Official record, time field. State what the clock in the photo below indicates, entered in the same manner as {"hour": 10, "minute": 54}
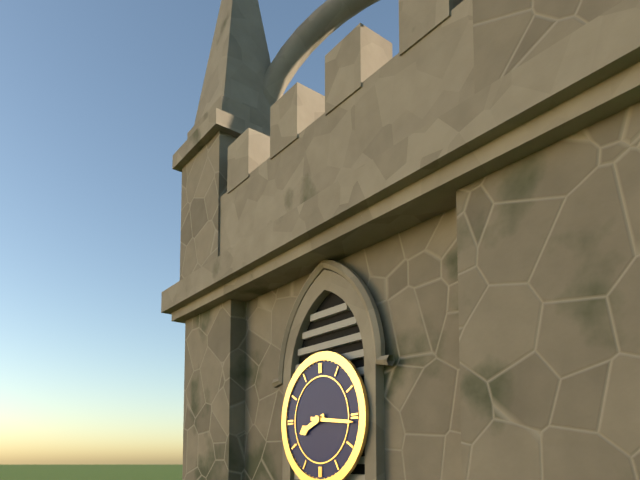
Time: {"hour": 8, "minute": 16}
